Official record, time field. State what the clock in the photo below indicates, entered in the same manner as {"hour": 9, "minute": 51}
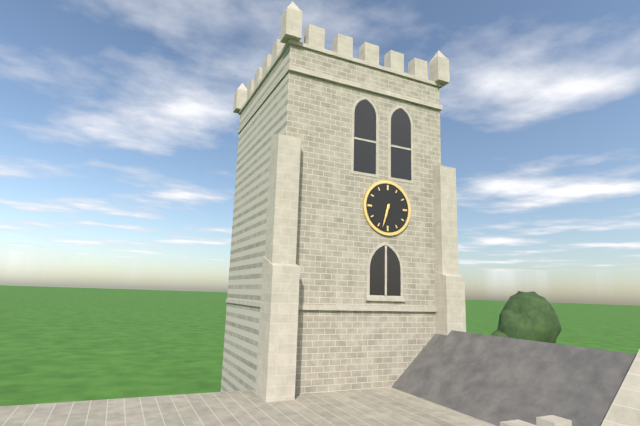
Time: {"hour": 6, "minute": 33}
